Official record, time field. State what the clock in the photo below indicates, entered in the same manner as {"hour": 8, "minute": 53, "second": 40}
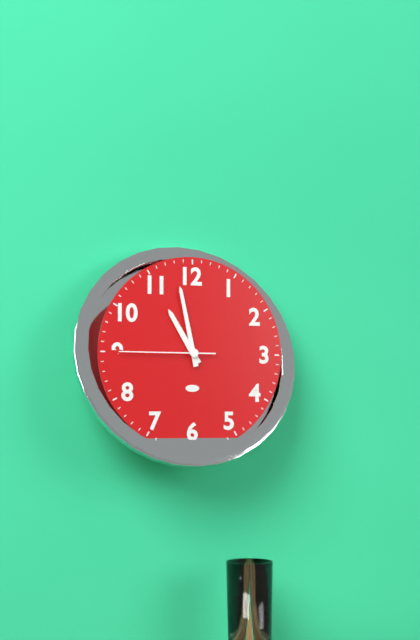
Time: {"hour": 10, "minute": 58, "second": 45}
